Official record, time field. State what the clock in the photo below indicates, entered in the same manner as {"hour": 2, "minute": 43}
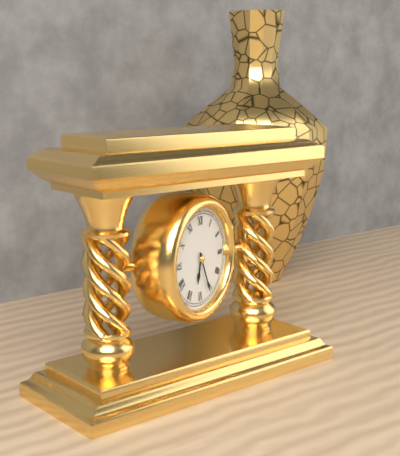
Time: {"hour": 6, "minute": 26}
